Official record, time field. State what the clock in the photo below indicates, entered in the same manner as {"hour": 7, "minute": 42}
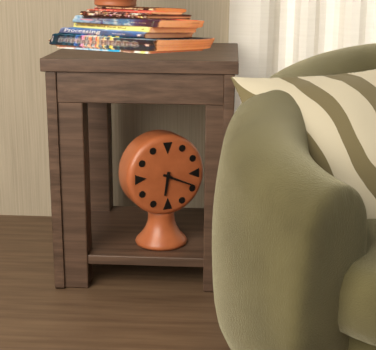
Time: {"hour": 6, "minute": 19}
